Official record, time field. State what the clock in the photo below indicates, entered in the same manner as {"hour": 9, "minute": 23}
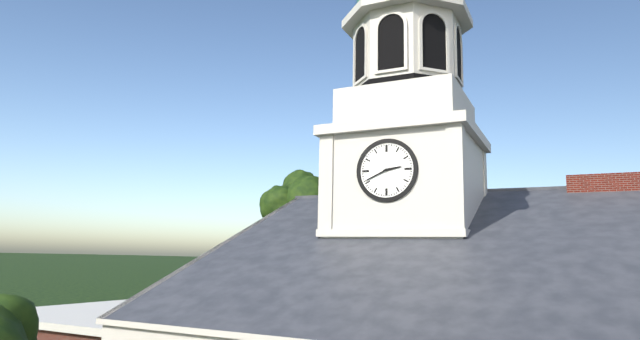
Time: {"hour": 2, "minute": 41}
